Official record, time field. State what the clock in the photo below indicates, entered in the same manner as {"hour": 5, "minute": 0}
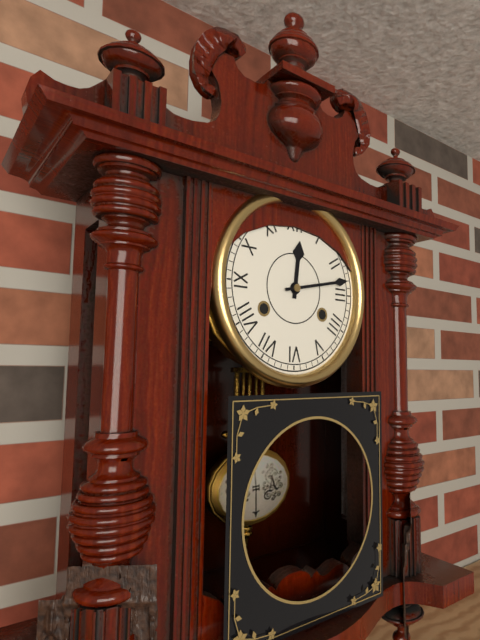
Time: {"hour": 12, "minute": 13}
